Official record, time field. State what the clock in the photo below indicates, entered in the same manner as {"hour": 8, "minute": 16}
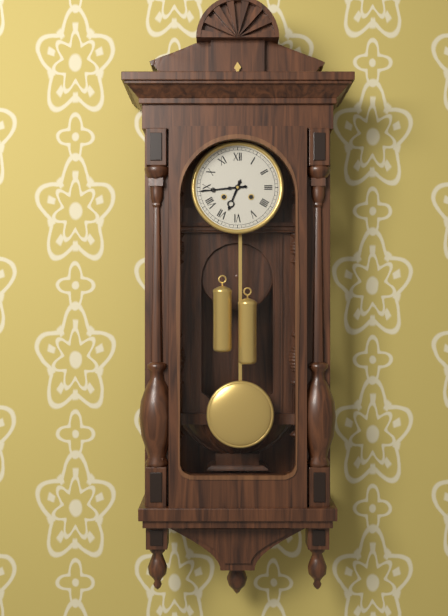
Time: {"hour": 6, "minute": 44}
